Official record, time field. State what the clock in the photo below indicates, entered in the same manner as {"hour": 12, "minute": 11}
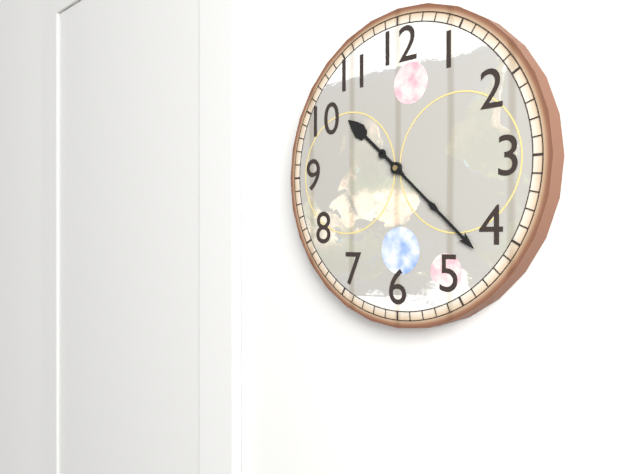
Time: {"hour": 10, "minute": 22}
